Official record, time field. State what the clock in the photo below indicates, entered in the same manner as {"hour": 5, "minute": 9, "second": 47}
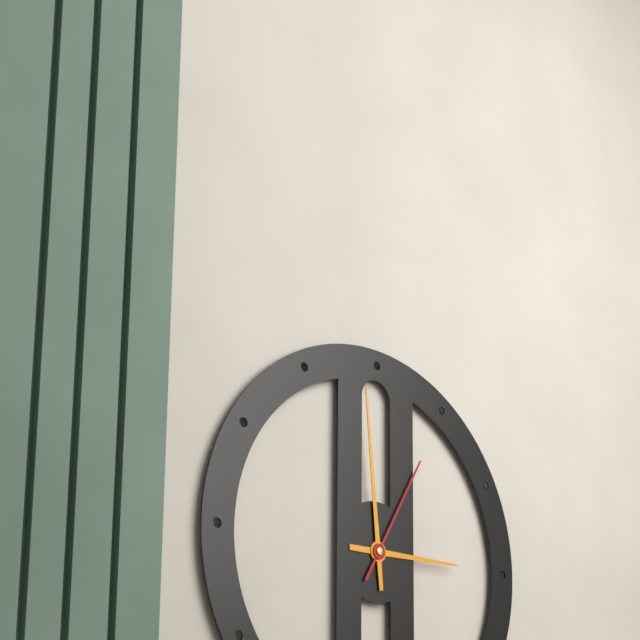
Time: {"hour": 2, "minute": 59, "second": 5}
